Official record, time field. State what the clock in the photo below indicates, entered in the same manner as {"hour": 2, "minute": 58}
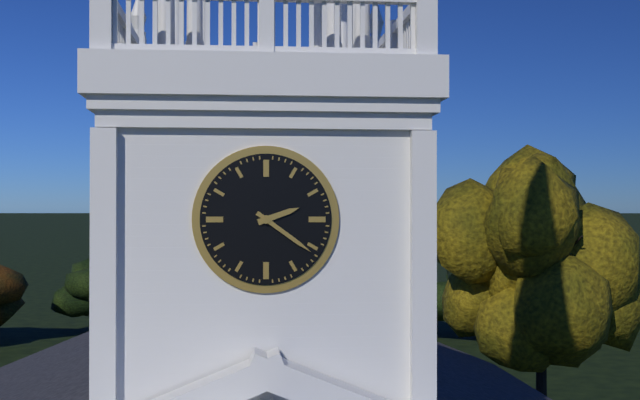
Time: {"hour": 2, "minute": 21}
